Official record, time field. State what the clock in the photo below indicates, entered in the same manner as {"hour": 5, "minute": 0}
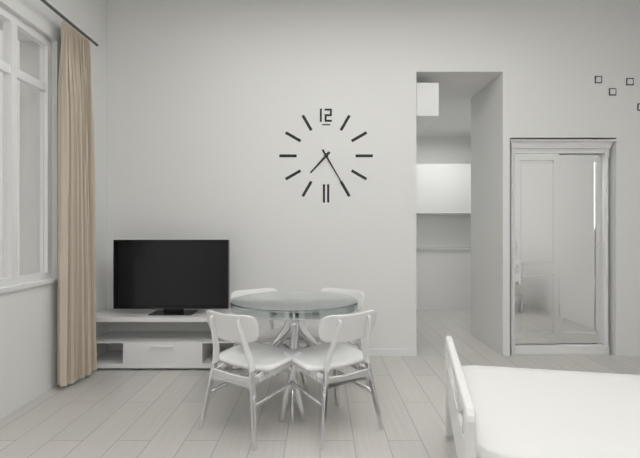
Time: {"hour": 7, "minute": 25}
